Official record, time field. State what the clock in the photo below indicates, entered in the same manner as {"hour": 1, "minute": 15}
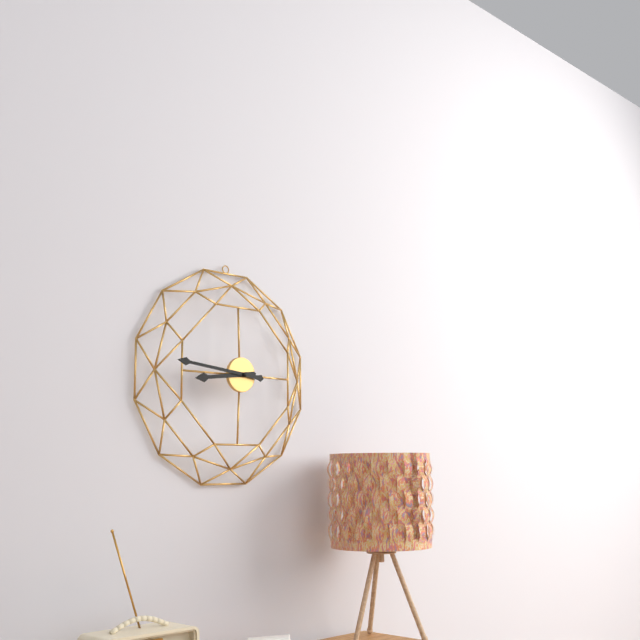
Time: {"hour": 8, "minute": 46}
